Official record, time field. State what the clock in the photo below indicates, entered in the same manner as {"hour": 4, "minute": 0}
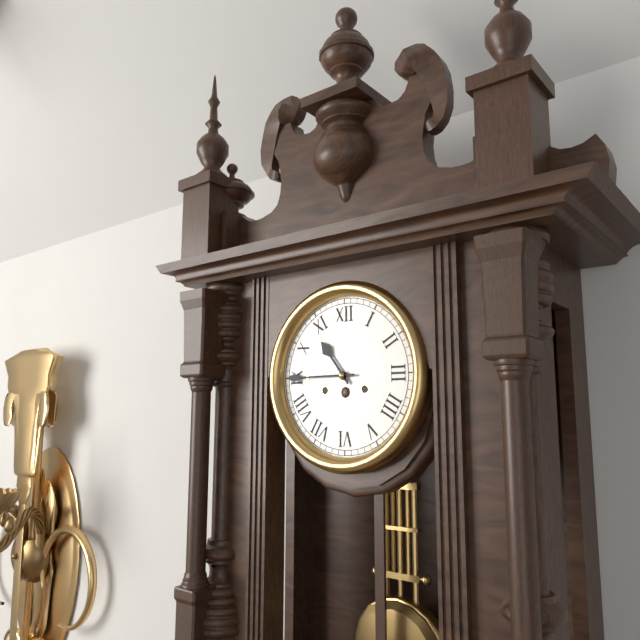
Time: {"hour": 10, "minute": 45}
